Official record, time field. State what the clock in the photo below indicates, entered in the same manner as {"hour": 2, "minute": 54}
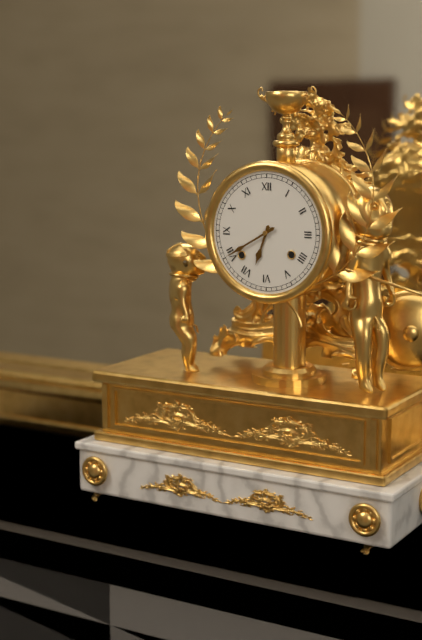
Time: {"hour": 6, "minute": 40}
